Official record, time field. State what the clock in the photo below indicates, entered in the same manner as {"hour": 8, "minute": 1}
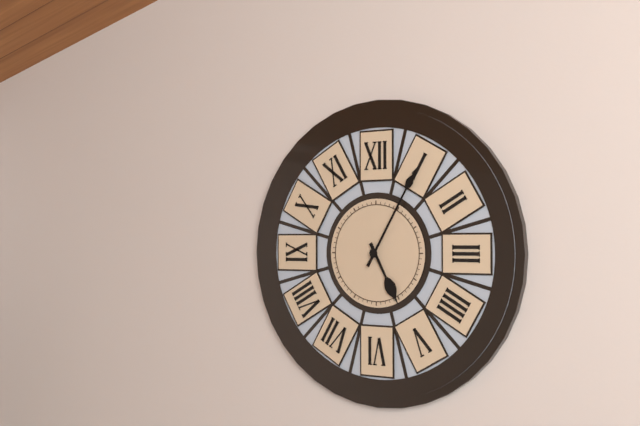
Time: {"hour": 5, "minute": 5}
